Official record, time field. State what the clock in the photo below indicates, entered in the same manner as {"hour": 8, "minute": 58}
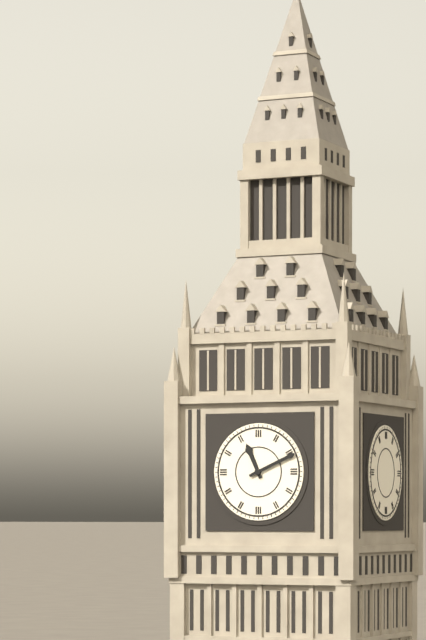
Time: {"hour": 11, "minute": 11}
